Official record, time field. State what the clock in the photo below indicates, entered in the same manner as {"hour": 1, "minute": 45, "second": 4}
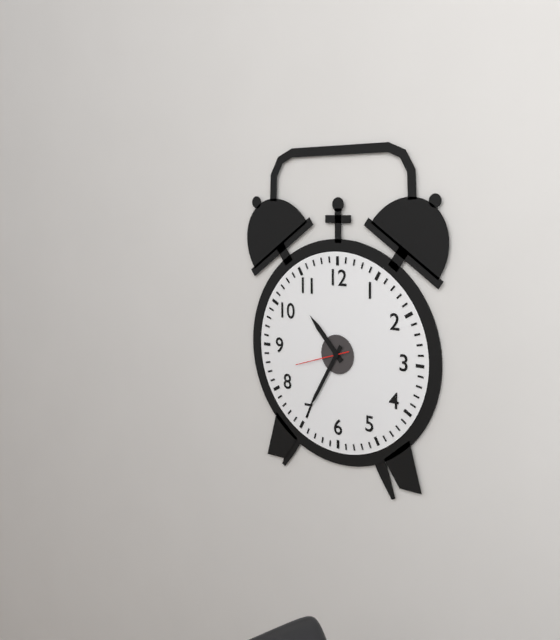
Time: {"hour": 10, "minute": 35, "second": 42}
